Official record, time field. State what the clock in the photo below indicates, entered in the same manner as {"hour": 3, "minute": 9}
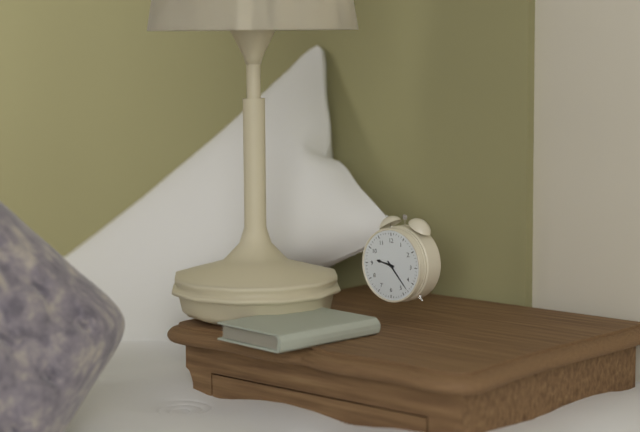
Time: {"hour": 9, "minute": 23}
